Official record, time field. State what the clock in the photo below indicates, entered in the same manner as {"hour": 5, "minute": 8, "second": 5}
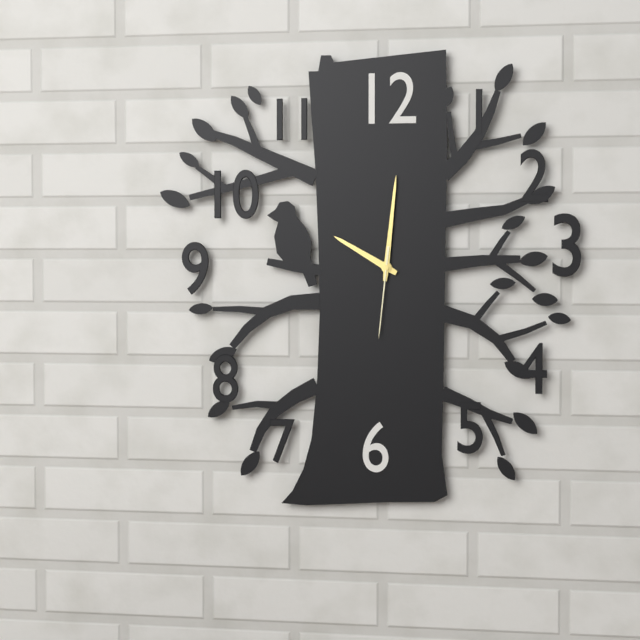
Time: {"hour": 10, "minute": 1, "second": 31}
